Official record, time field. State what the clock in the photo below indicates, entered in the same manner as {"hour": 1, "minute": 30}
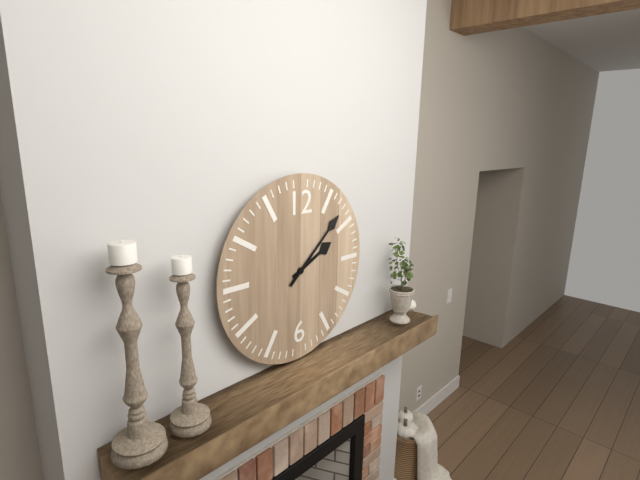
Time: {"hour": 2, "minute": 8}
